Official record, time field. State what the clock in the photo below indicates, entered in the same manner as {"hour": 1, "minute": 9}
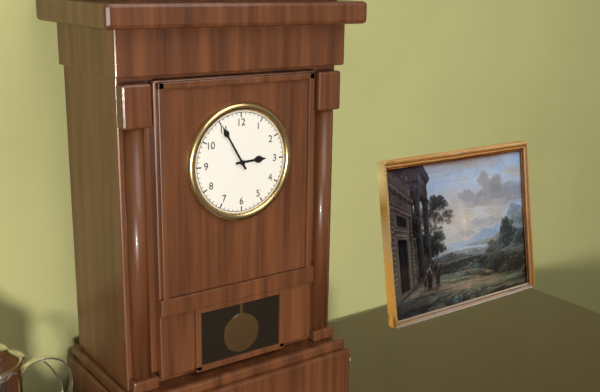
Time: {"hour": 2, "minute": 55}
